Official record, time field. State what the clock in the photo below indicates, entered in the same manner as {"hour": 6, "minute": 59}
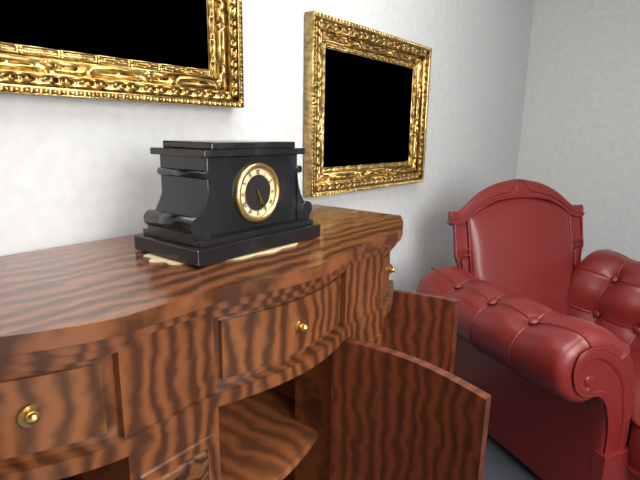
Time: {"hour": 5, "minute": 25}
